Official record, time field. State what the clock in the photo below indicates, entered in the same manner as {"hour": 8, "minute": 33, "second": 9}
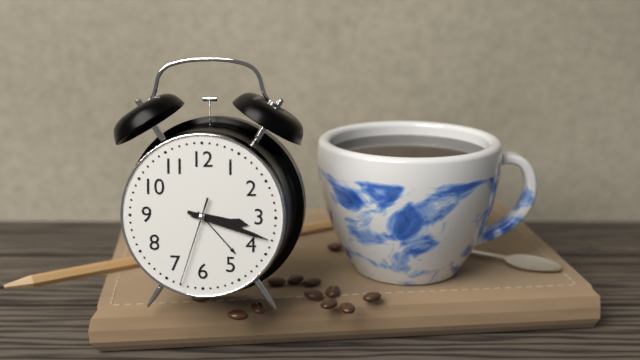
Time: {"hour": 3, "minute": 18, "second": 33}
